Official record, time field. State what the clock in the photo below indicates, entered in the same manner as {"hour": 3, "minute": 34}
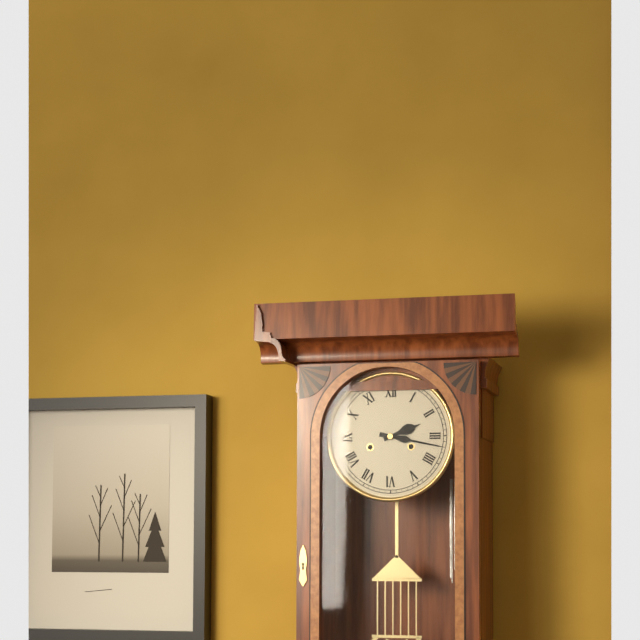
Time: {"hour": 2, "minute": 17}
